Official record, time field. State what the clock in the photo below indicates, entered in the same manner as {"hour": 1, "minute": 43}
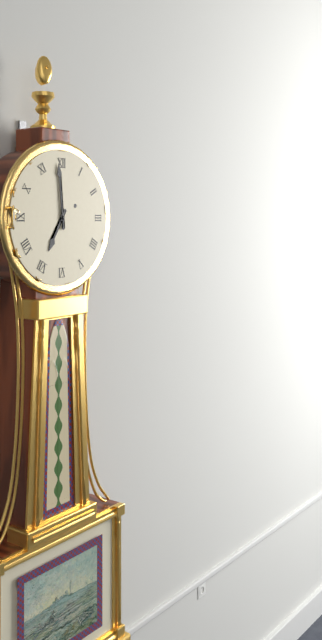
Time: {"hour": 6, "minute": 59}
